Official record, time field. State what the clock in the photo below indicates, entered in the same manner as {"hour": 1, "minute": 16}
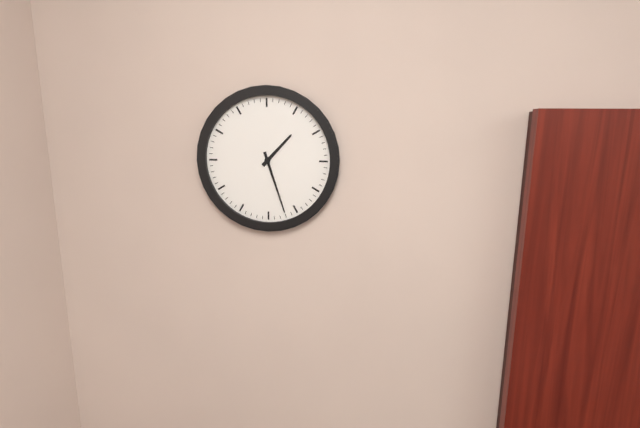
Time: {"hour": 1, "minute": 27}
